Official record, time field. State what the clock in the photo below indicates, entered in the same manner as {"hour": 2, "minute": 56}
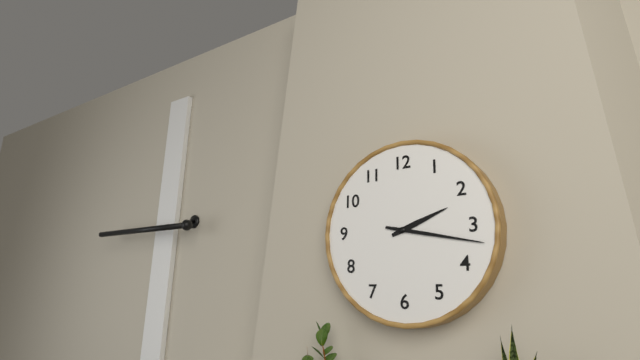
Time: {"hour": 2, "minute": 17}
